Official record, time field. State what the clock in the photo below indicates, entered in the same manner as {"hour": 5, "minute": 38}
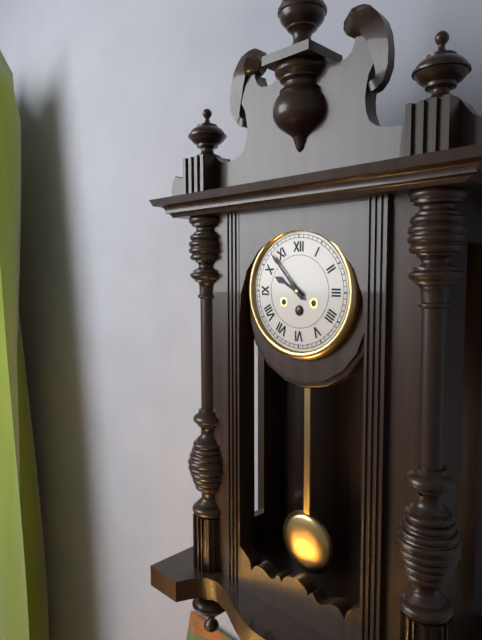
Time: {"hour": 9, "minute": 53}
